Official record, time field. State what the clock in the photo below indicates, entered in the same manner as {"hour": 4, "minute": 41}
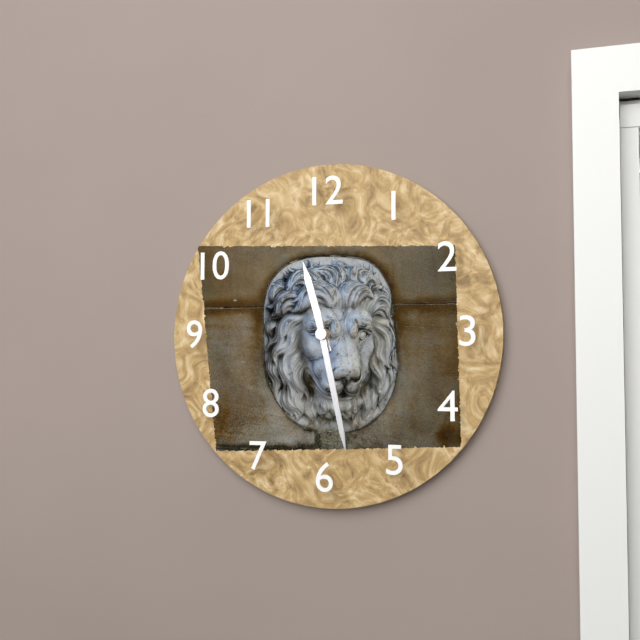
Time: {"hour": 11, "minute": 28}
